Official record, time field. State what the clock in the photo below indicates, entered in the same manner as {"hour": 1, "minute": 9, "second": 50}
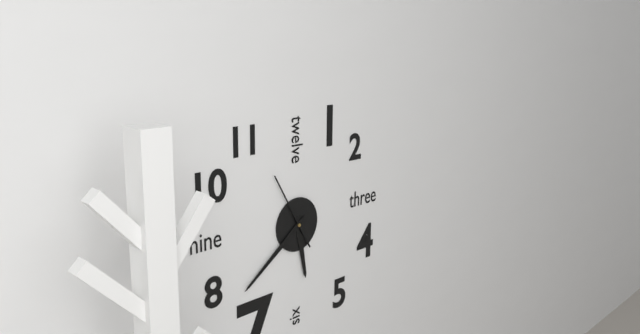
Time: {"hour": 5, "minute": 39, "second": 55}
